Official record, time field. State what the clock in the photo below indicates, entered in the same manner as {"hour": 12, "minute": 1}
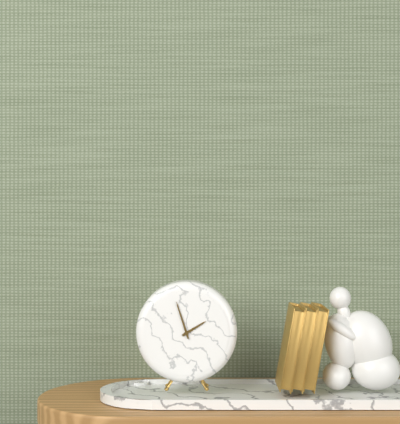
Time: {"hour": 1, "minute": 57}
